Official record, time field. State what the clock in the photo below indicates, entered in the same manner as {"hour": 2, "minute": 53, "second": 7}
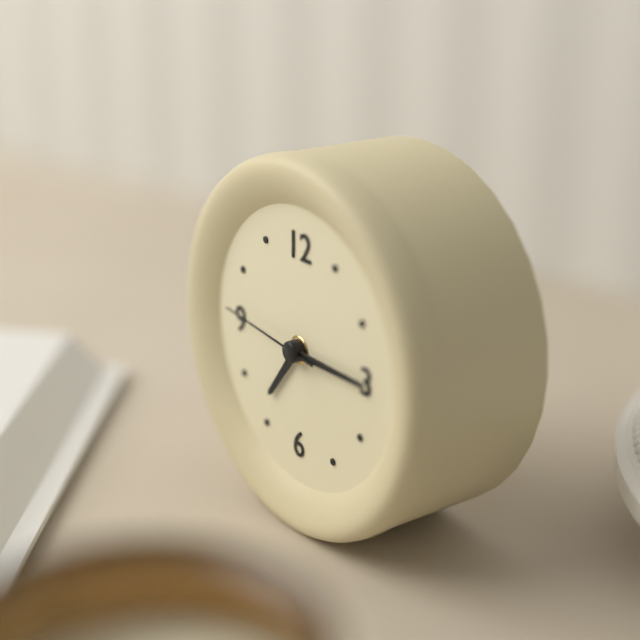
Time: {"hour": 7, "minute": 15, "second": 46}
